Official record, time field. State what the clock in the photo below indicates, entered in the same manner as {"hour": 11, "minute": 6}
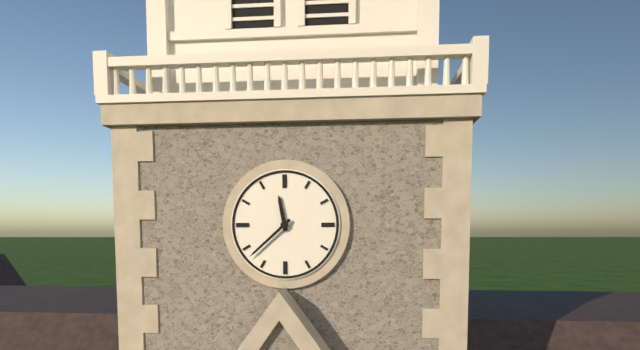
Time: {"hour": 11, "minute": 38}
